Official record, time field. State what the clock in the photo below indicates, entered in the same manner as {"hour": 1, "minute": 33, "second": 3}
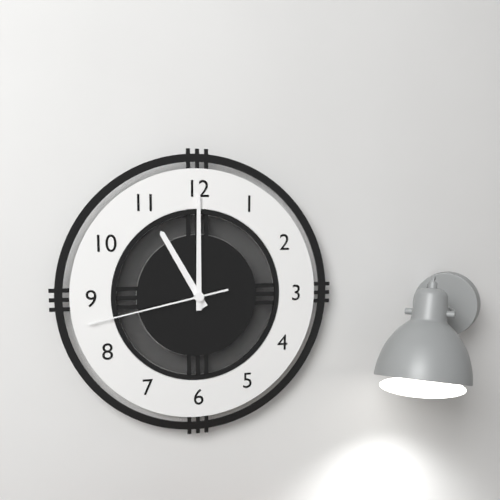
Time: {"hour": 11, "minute": 0, "second": 43}
